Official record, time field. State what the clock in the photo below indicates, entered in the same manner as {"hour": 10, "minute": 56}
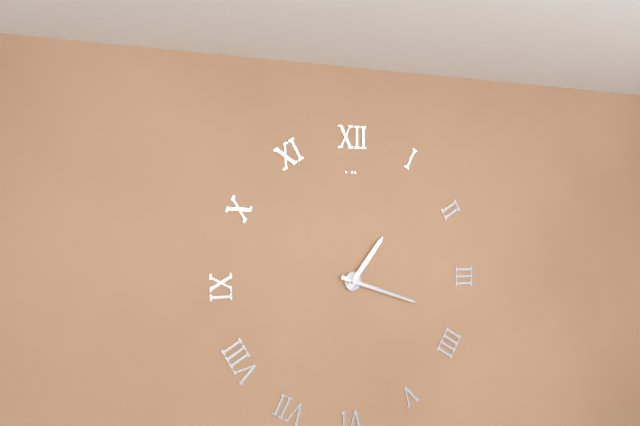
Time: {"hour": 1, "minute": 18}
